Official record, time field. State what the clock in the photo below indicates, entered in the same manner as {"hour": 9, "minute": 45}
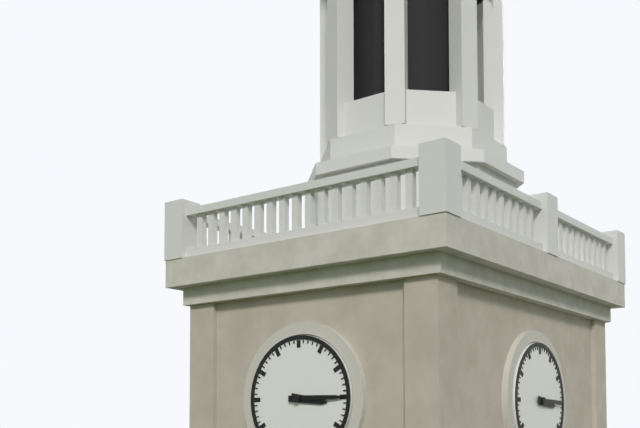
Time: {"hour": 3, "minute": 15}
